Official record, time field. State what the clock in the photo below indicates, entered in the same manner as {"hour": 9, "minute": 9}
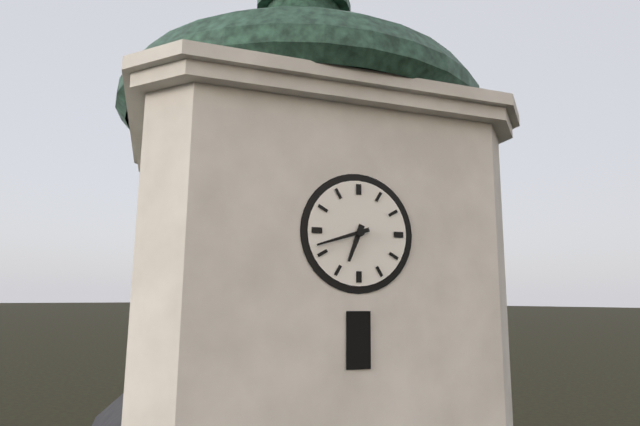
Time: {"hour": 6, "minute": 42}
